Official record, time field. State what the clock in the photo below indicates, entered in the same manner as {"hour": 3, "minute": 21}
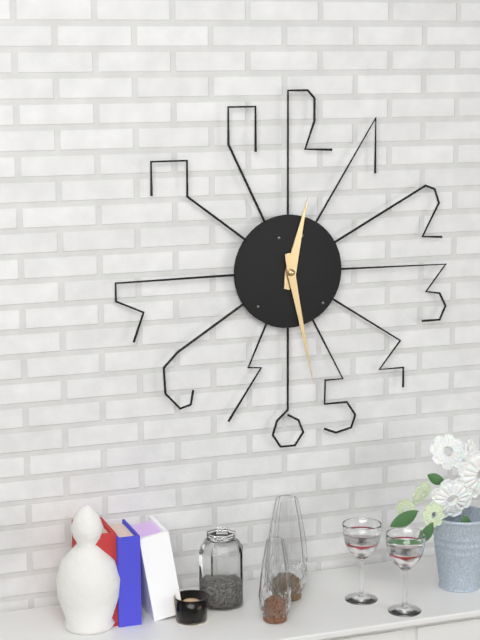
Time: {"hour": 12, "minute": 28}
